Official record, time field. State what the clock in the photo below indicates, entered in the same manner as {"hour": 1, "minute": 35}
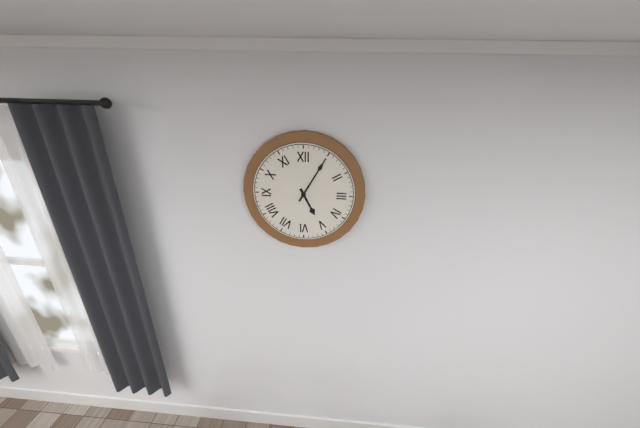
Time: {"hour": 5, "minute": 5}
